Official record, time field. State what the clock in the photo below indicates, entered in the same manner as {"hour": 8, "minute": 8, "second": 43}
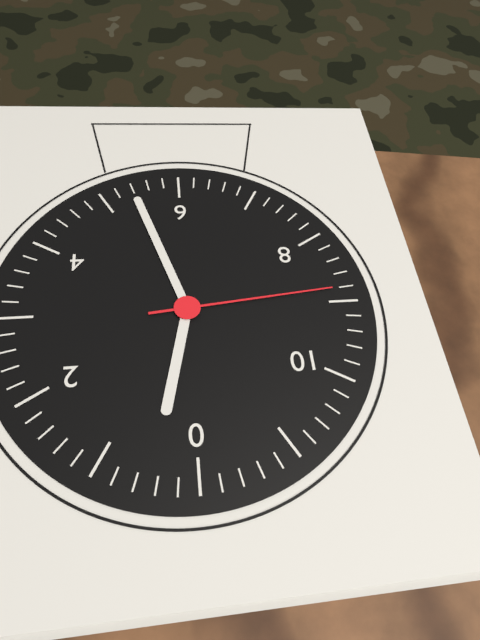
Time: {"hour": 12, "minute": 27, "second": 44}
